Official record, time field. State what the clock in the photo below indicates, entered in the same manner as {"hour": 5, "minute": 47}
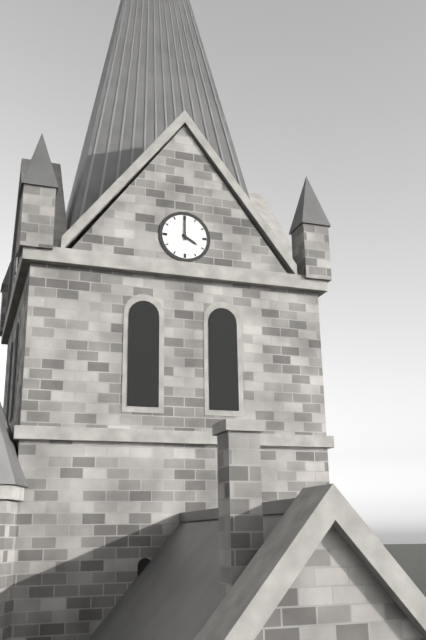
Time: {"hour": 4, "minute": 0}
